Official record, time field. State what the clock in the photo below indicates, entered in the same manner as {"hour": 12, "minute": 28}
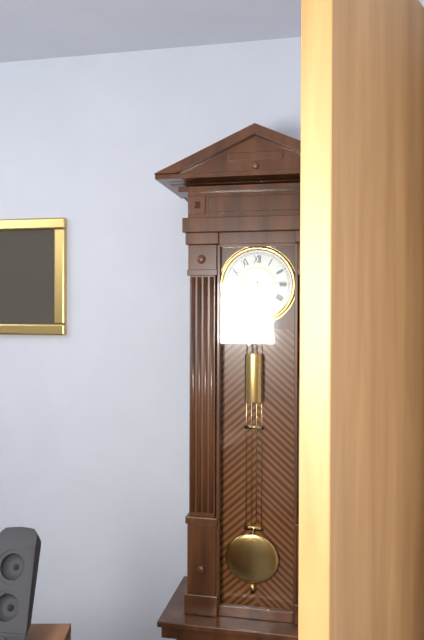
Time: {"hour": 5, "minute": 30}
